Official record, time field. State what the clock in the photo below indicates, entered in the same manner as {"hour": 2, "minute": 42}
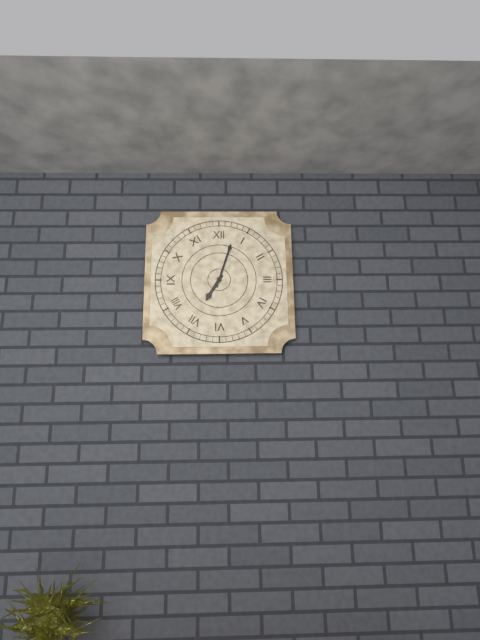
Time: {"hour": 7, "minute": 3}
